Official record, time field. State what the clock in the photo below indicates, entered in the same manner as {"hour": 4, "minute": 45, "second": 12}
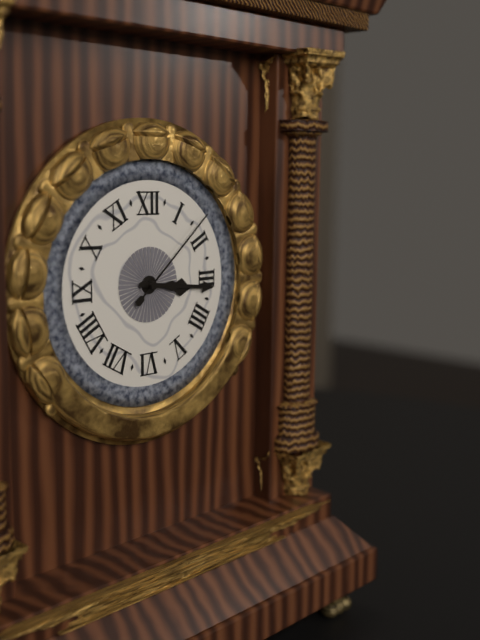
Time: {"hour": 3, "minute": 16, "second": 8}
